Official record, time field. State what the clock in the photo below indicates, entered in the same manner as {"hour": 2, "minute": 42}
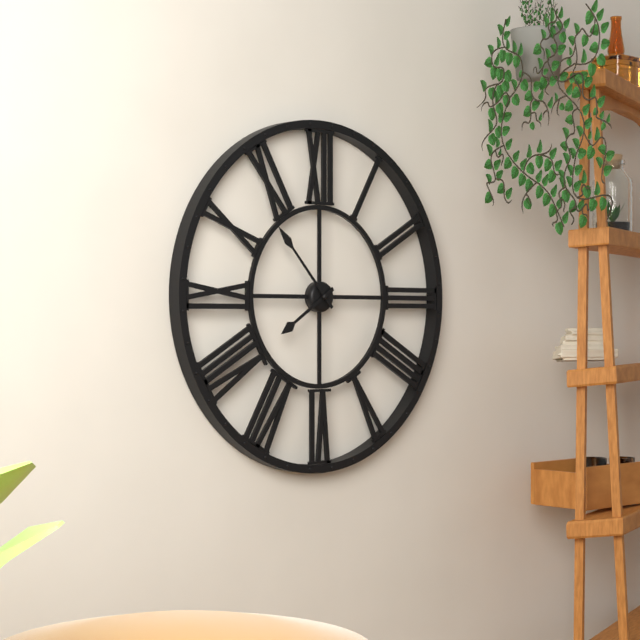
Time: {"hour": 7, "minute": 53}
